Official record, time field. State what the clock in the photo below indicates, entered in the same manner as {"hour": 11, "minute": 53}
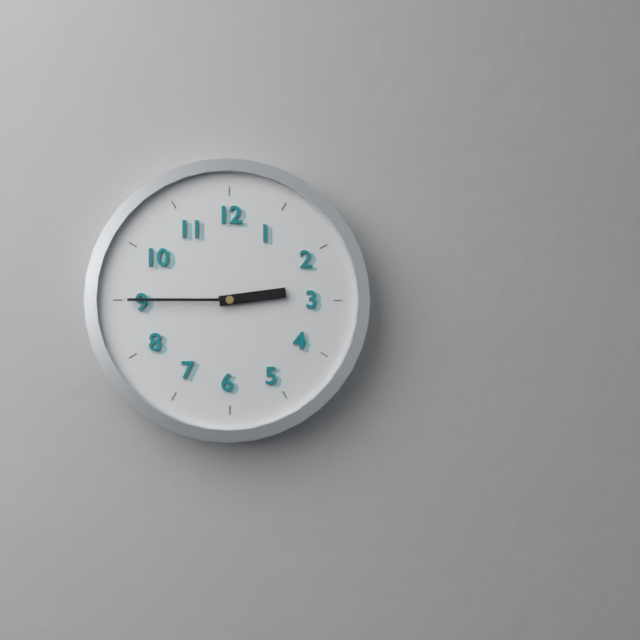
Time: {"hour": 2, "minute": 45}
